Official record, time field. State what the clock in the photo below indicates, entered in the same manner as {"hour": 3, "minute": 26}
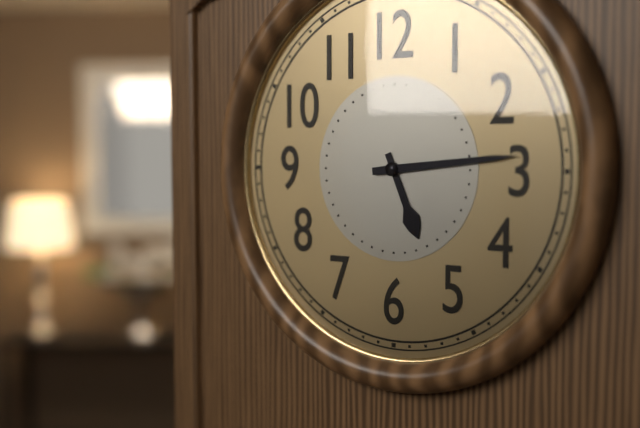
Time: {"hour": 5, "minute": 14}
